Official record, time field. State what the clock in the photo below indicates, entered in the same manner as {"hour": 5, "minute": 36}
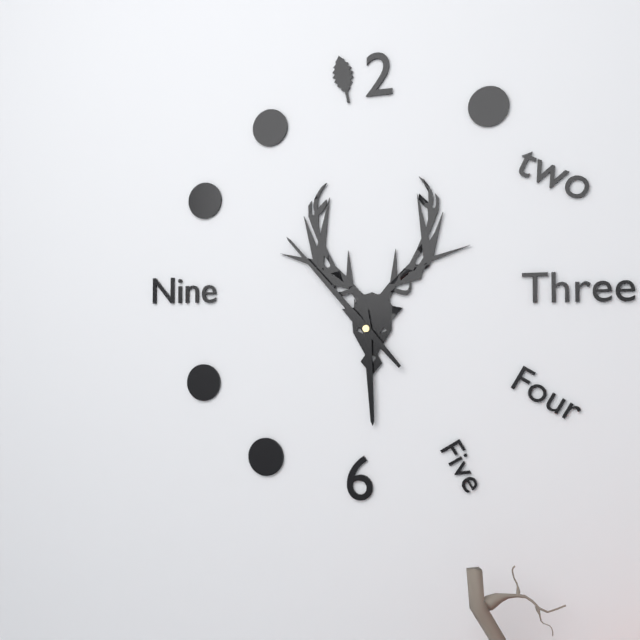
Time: {"hour": 5, "minute": 53}
